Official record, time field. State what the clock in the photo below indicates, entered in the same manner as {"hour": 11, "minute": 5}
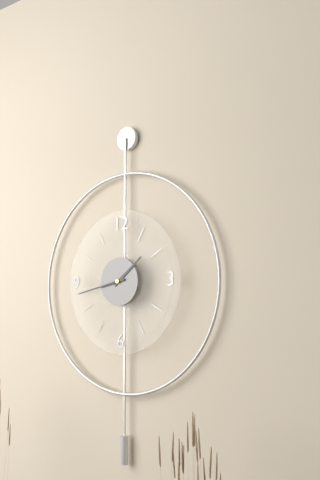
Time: {"hour": 1, "minute": 43}
